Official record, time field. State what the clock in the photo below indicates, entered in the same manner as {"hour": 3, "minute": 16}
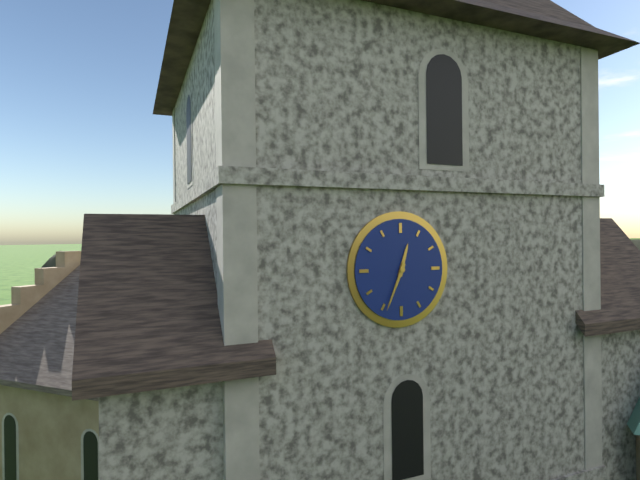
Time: {"hour": 12, "minute": 34}
